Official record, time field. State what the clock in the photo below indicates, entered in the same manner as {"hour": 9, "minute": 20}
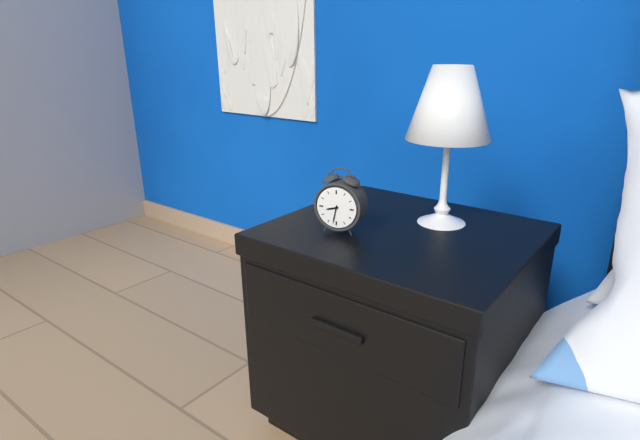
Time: {"hour": 8, "minute": 32}
